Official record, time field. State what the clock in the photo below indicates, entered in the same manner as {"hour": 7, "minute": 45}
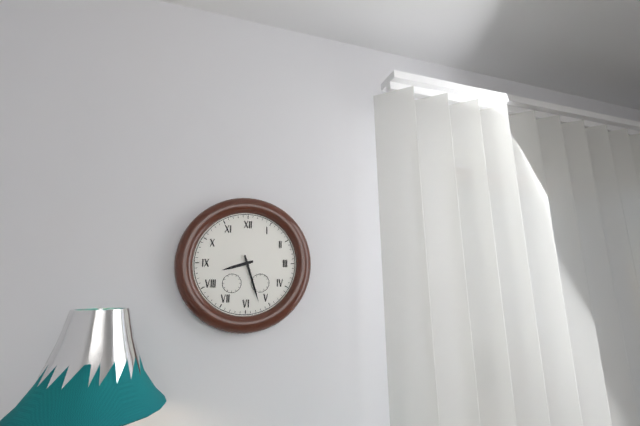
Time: {"hour": 8, "minute": 27}
